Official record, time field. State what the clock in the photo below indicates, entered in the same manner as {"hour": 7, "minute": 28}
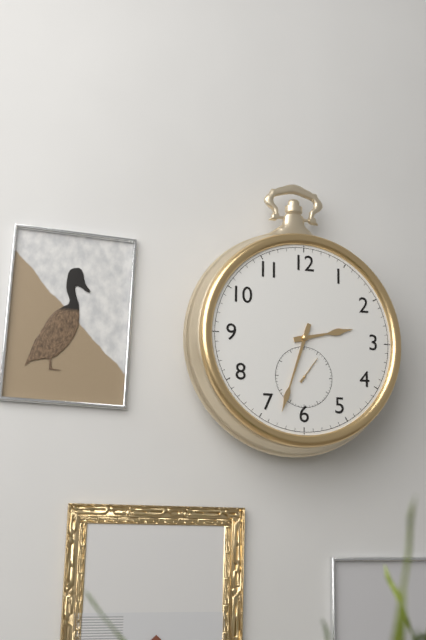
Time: {"hour": 2, "minute": 33}
